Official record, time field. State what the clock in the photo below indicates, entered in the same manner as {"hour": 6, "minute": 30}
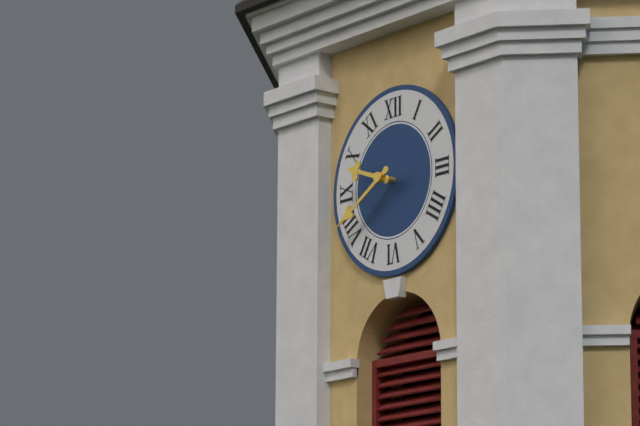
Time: {"hour": 9, "minute": 40}
